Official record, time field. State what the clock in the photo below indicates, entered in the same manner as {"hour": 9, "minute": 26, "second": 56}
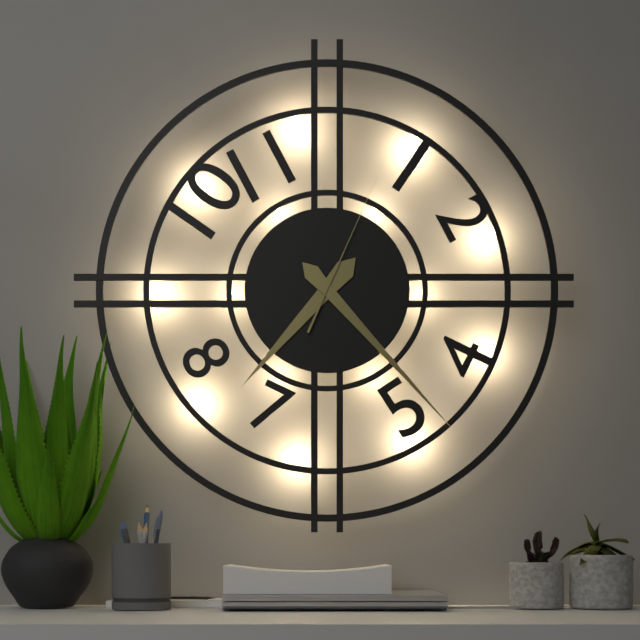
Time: {"hour": 7, "minute": 23, "second": 4}
